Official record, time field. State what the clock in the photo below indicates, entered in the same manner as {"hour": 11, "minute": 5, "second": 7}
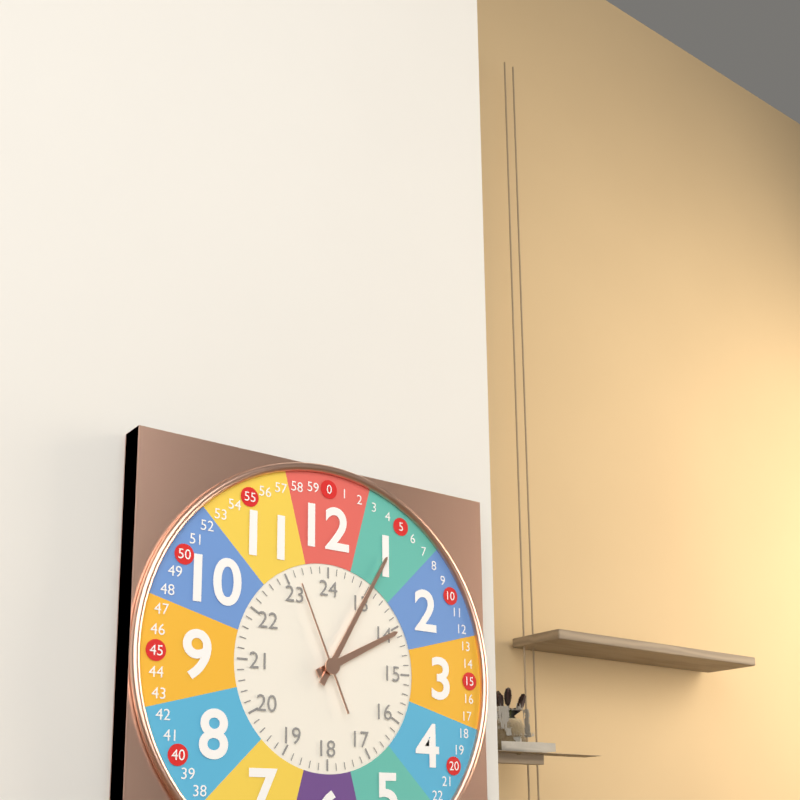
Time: {"hour": 2, "minute": 5, "second": 56}
